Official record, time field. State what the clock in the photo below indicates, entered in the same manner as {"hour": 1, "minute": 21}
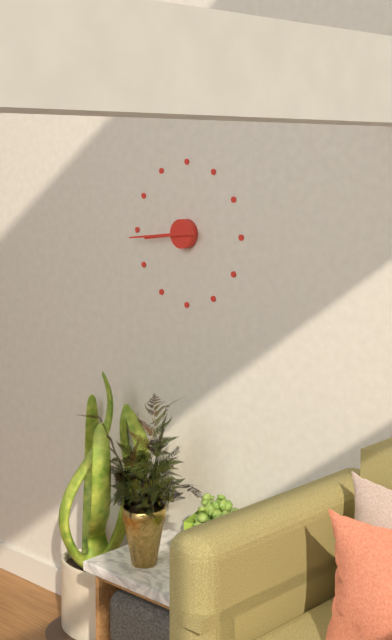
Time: {"hour": 8, "minute": 44}
